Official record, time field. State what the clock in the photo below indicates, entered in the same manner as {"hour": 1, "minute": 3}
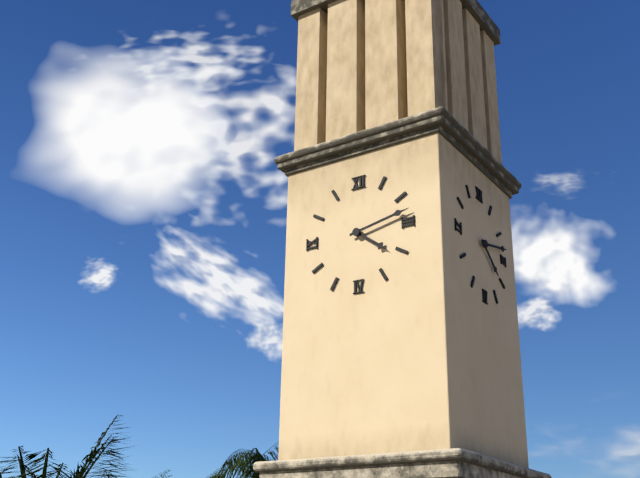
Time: {"hour": 4, "minute": 13}
